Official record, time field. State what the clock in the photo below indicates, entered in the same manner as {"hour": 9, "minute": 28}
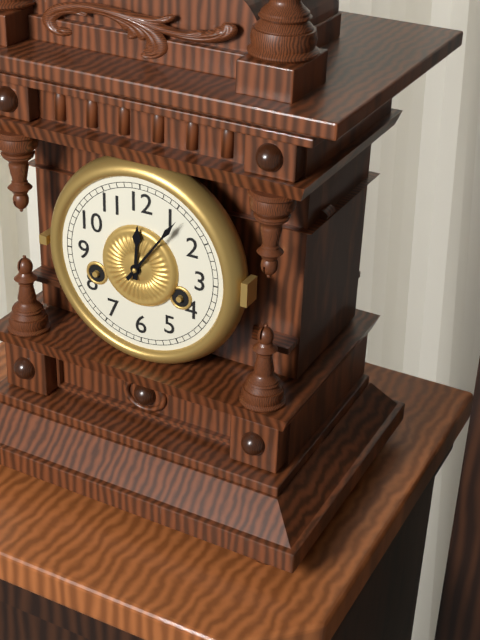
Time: {"hour": 12, "minute": 6}
